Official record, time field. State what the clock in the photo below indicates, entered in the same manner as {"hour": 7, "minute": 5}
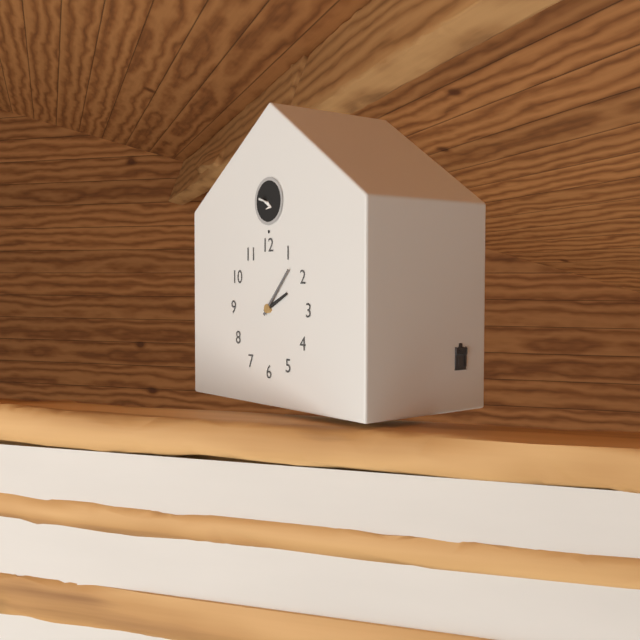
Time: {"hour": 2, "minute": 7}
